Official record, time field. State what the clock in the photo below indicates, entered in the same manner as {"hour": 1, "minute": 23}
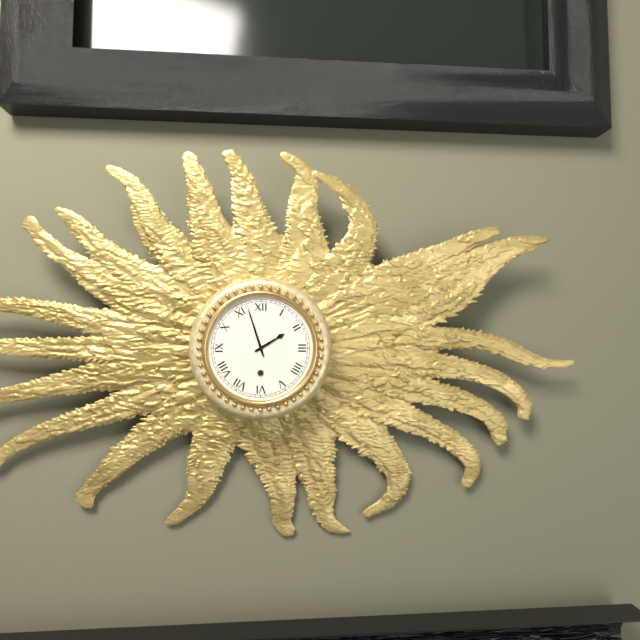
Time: {"hour": 1, "minute": 57}
